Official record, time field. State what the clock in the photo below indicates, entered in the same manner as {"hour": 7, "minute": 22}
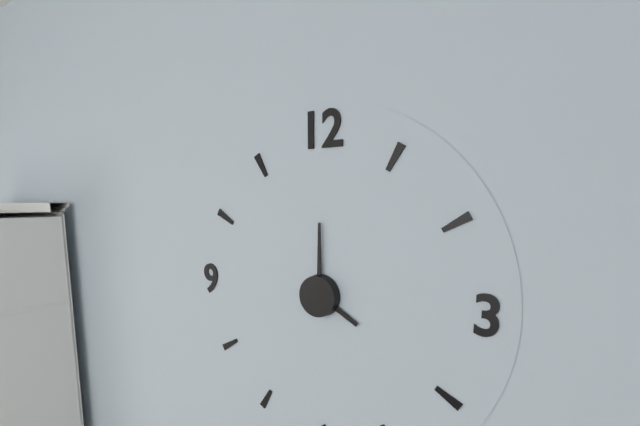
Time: {"hour": 4, "minute": 0}
